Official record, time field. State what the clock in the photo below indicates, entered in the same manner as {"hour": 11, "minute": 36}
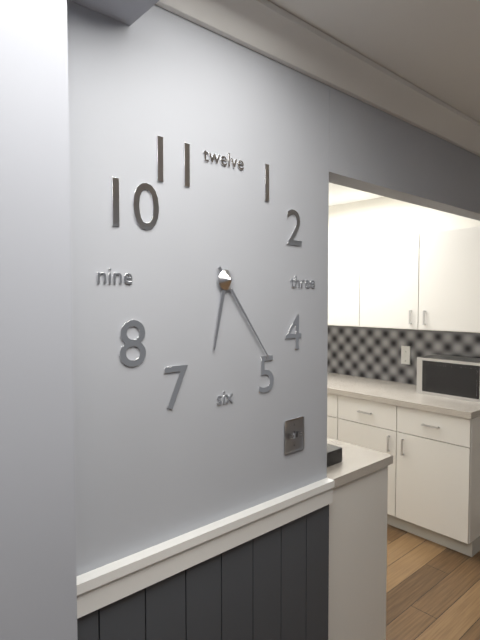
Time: {"hour": 6, "minute": 24}
